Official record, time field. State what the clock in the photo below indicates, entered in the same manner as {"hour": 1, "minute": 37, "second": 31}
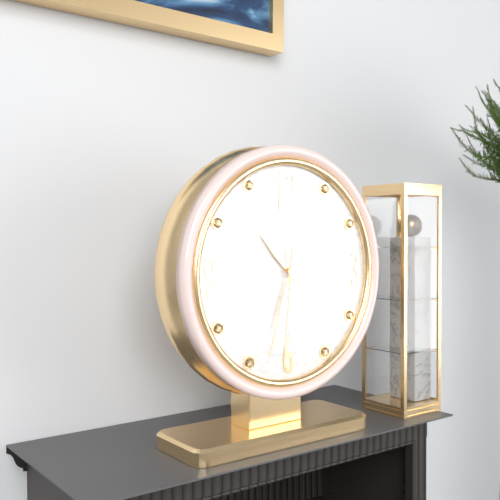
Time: {"hour": 10, "minute": 33, "second": 31}
